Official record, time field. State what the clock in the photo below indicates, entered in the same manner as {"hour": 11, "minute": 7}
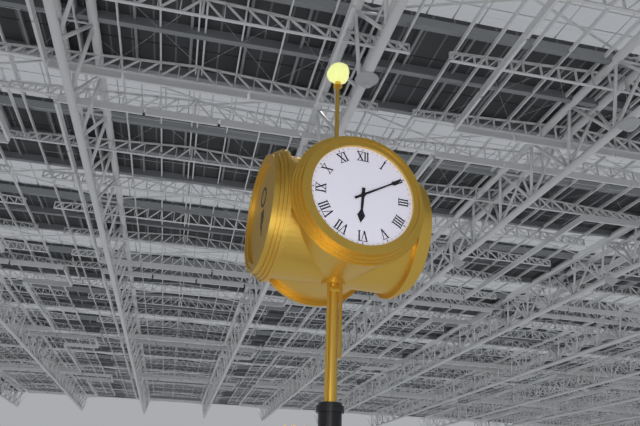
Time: {"hour": 6, "minute": 10}
